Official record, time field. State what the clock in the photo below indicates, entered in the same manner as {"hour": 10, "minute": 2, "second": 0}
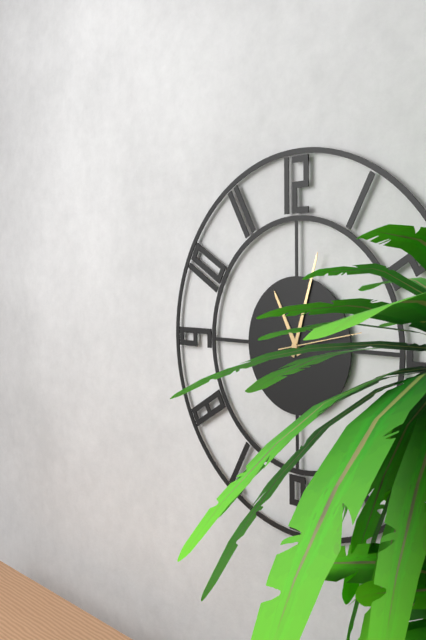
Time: {"hour": 11, "minute": 3, "second": 13}
